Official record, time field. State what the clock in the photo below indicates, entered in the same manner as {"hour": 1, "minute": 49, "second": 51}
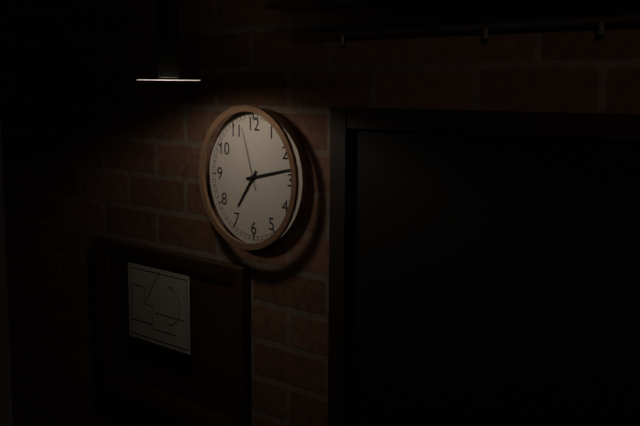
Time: {"hour": 7, "minute": 13, "second": 57}
